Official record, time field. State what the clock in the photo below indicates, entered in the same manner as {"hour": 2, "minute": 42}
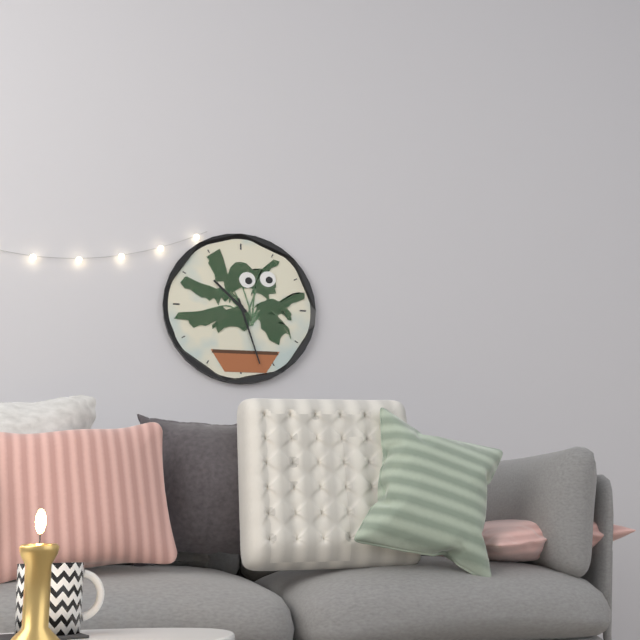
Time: {"hour": 10, "minute": 27}
